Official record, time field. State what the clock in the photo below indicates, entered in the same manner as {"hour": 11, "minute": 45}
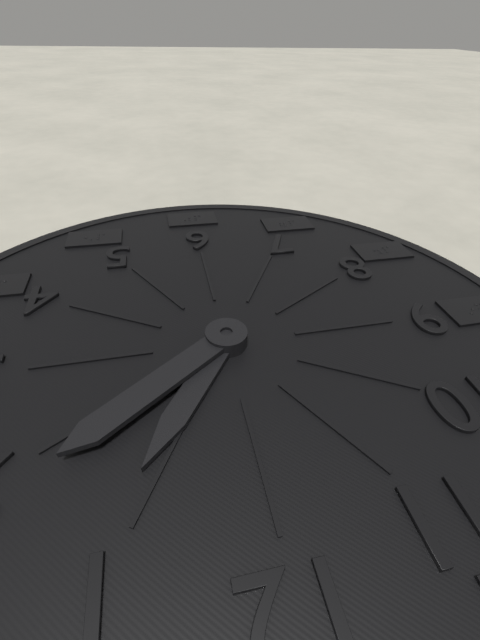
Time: {"hour": 1, "minute": 9}
